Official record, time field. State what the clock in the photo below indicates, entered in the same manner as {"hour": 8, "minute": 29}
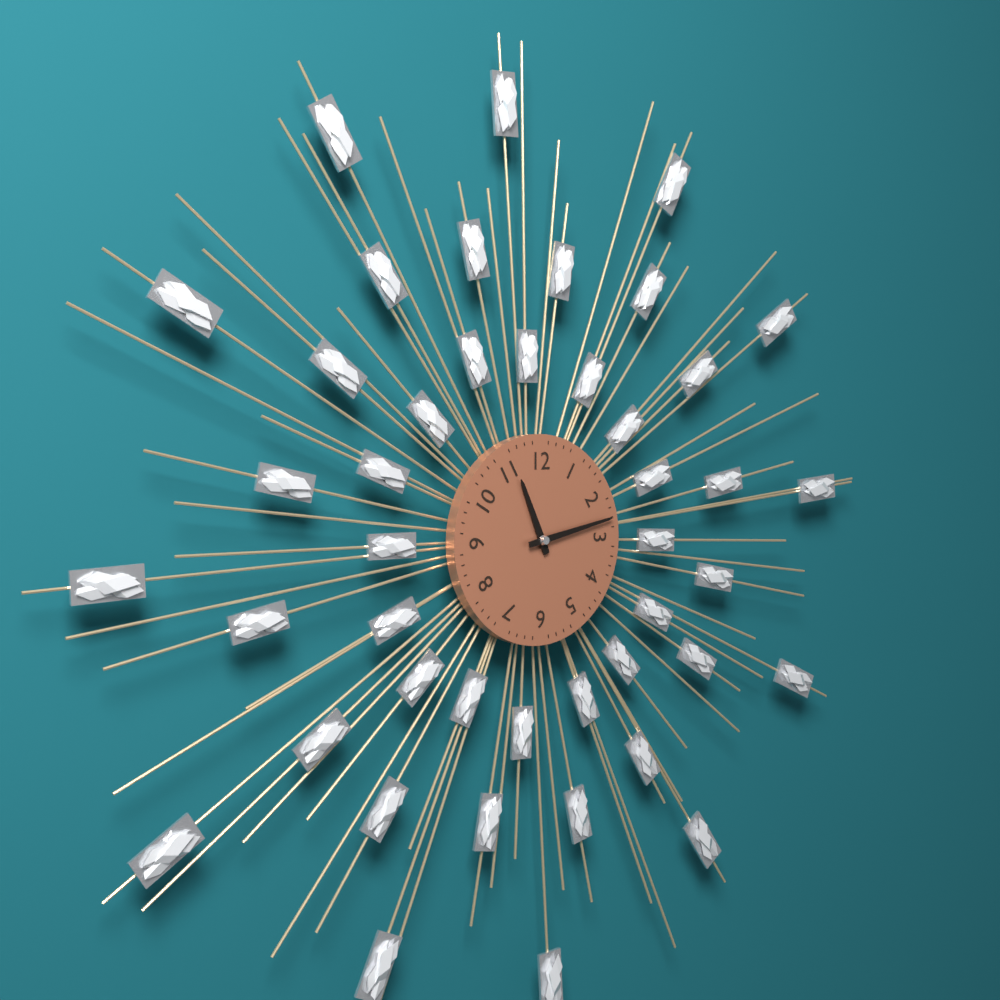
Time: {"hour": 11, "minute": 13}
